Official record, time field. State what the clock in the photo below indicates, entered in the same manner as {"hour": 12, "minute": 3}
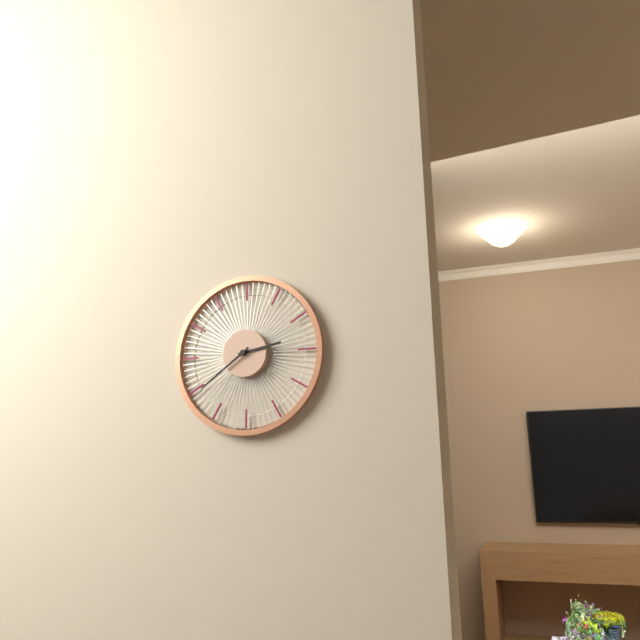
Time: {"hour": 2, "minute": 39}
